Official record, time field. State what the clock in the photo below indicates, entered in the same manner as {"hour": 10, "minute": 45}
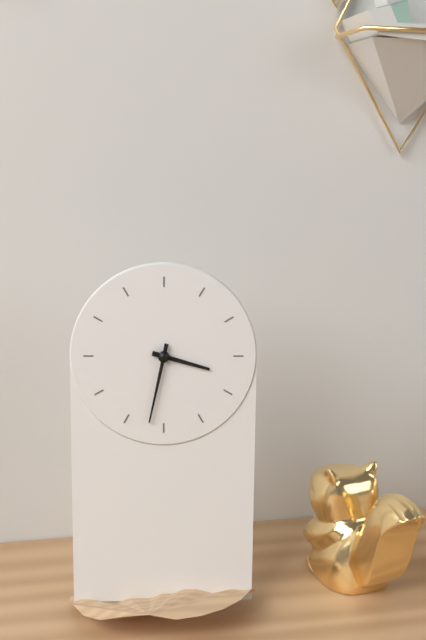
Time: {"hour": 3, "minute": 32}
